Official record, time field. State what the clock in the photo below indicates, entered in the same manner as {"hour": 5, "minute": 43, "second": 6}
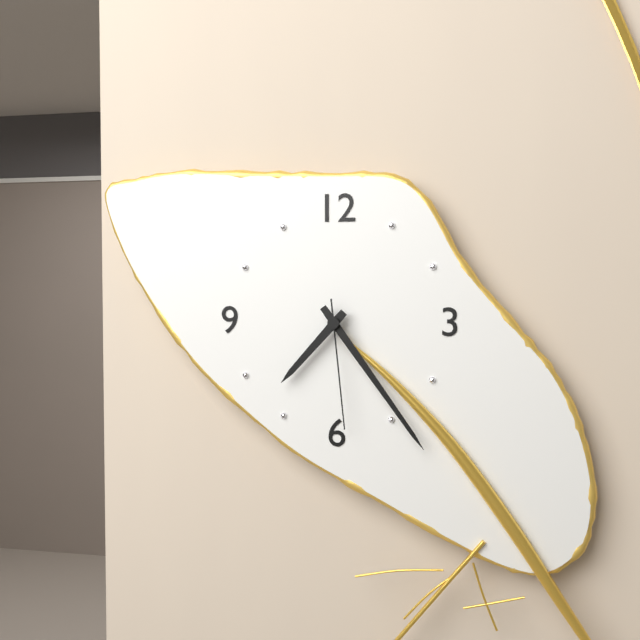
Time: {"hour": 7, "minute": 24, "second": 29}
